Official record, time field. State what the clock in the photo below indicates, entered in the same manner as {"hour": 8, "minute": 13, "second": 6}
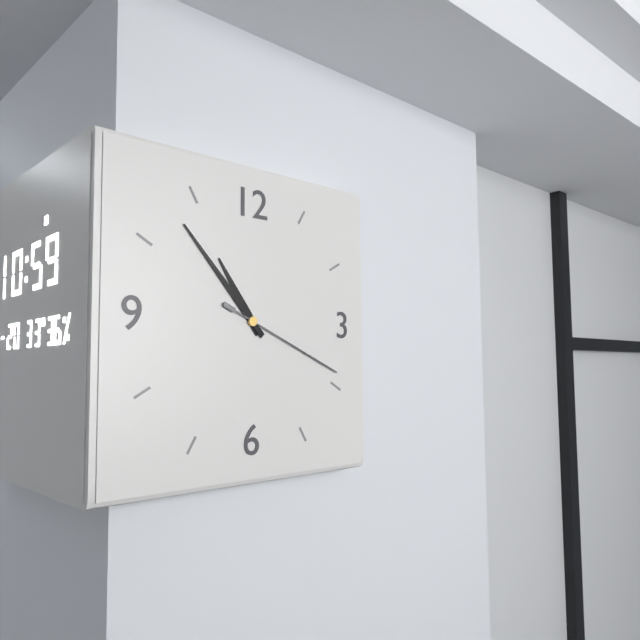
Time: {"hour": 10, "minute": 53, "second": 19}
